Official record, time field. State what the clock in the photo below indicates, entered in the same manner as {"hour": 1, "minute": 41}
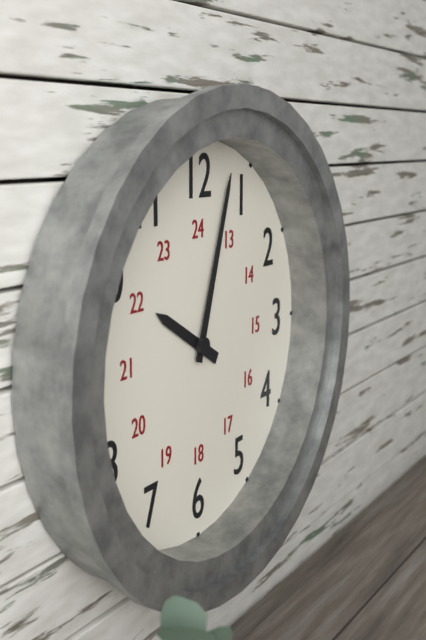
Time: {"hour": 10, "minute": 3}
